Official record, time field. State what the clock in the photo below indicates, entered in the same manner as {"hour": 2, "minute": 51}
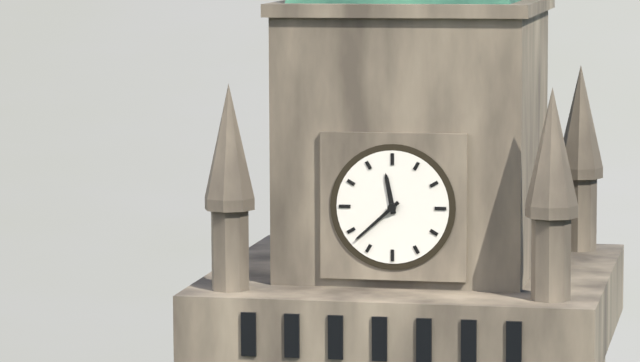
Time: {"hour": 11, "minute": 38}
